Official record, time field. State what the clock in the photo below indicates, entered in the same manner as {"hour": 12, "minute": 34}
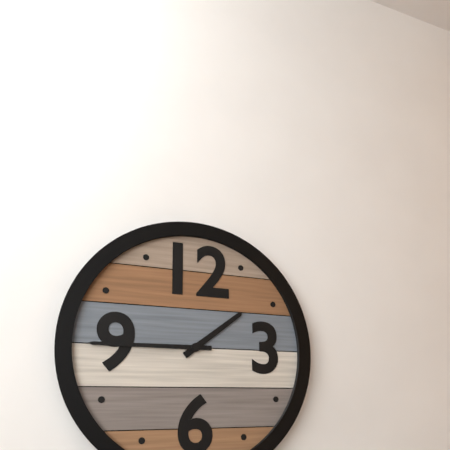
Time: {"hour": 1, "minute": 45}
